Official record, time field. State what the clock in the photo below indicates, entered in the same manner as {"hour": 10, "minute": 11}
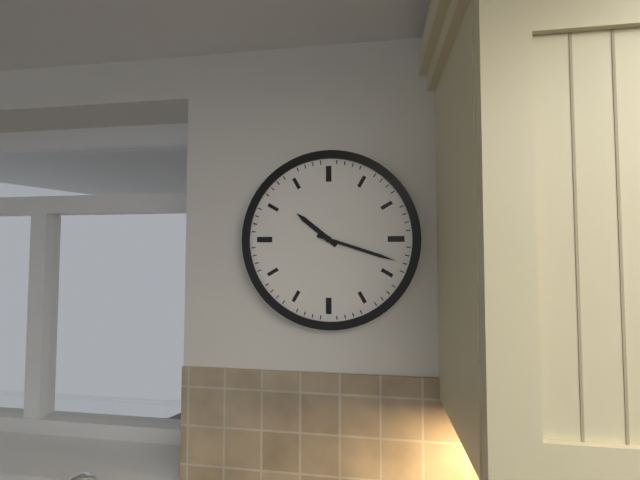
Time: {"hour": 10, "minute": 18}
